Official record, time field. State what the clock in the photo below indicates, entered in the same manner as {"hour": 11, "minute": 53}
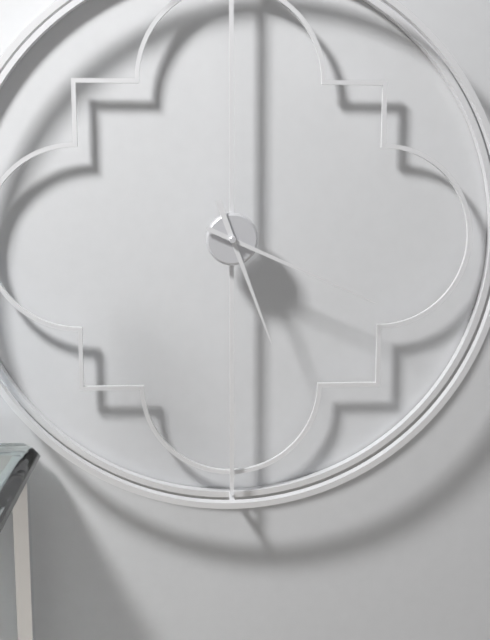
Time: {"hour": 5, "minute": 19}
